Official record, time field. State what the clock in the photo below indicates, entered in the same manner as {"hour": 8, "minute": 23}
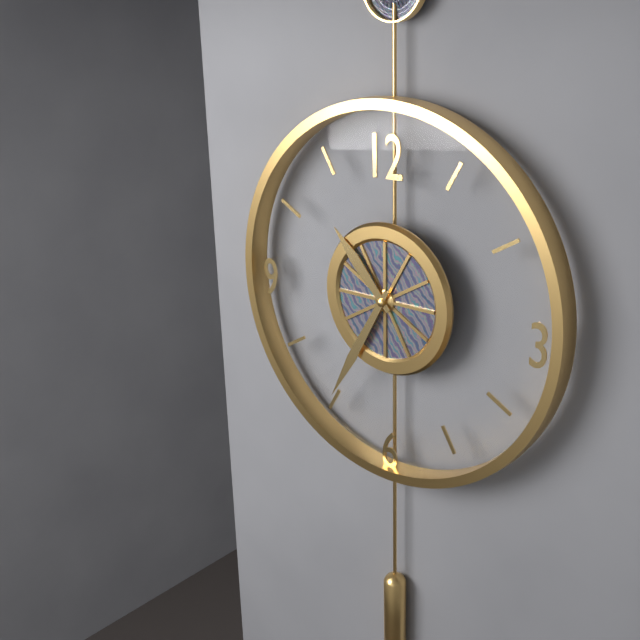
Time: {"hour": 10, "minute": 35}
